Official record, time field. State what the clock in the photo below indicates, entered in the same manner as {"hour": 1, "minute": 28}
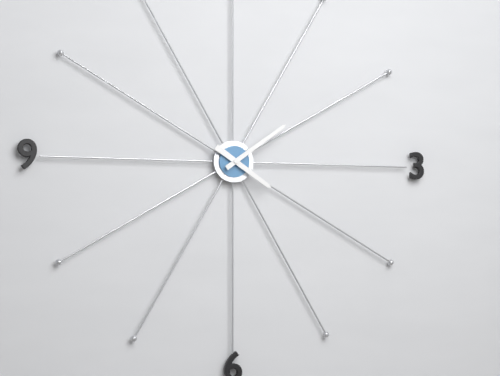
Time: {"hour": 4, "minute": 9}
